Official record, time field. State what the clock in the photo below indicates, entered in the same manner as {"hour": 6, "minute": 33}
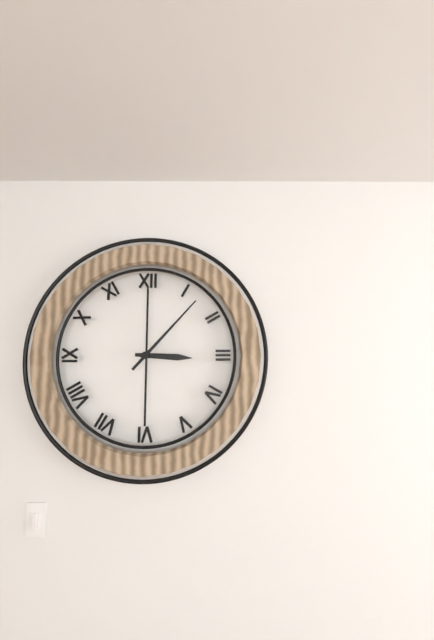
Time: {"hour": 3, "minute": 7}
